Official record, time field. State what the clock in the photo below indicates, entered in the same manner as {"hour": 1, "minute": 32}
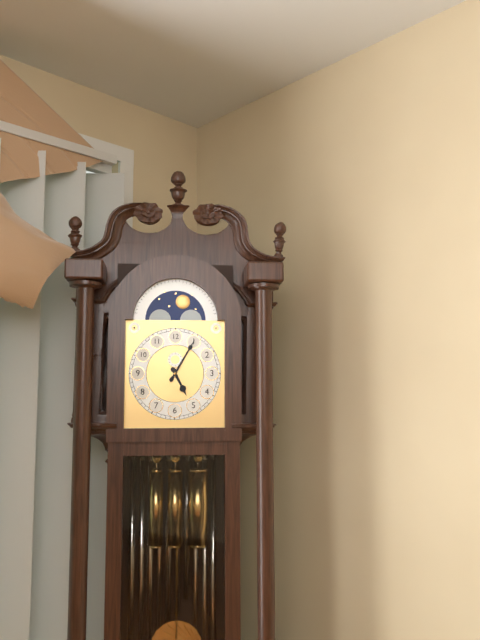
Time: {"hour": 5, "minute": 5}
